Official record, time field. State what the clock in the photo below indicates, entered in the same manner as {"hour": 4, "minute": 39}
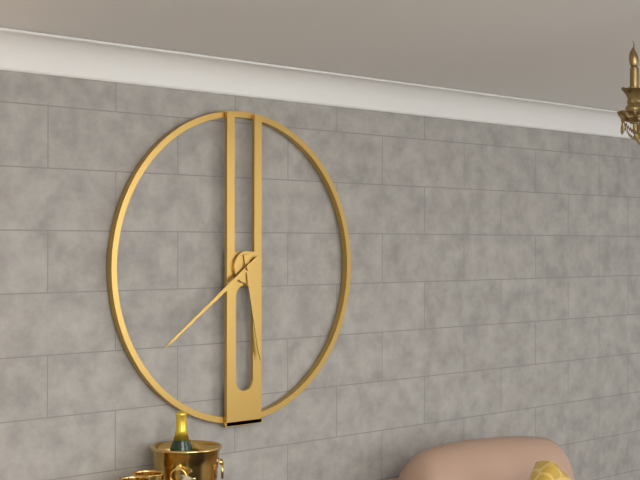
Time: {"hour": 5, "minute": 39}
